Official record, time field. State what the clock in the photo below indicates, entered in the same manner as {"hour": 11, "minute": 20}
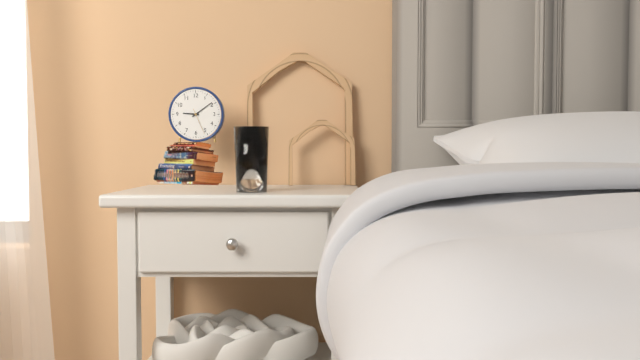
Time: {"hour": 9, "minute": 9}
